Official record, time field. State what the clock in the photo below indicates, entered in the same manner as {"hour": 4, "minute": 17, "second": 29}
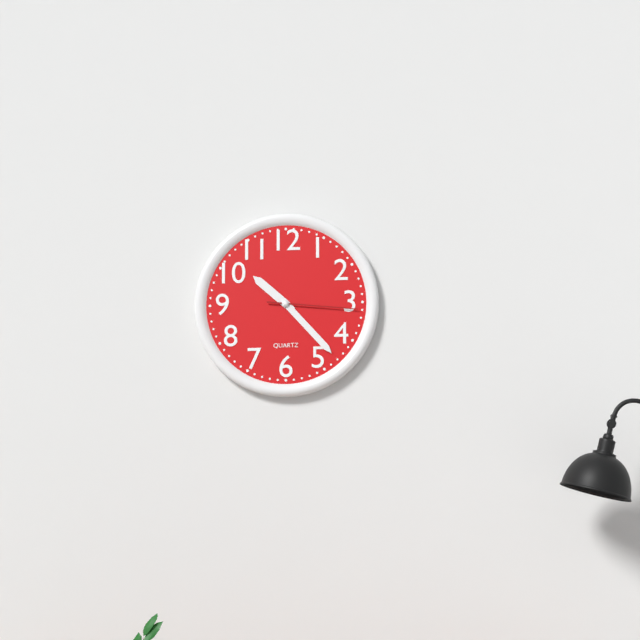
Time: {"hour": 10, "minute": 23, "second": 16}
